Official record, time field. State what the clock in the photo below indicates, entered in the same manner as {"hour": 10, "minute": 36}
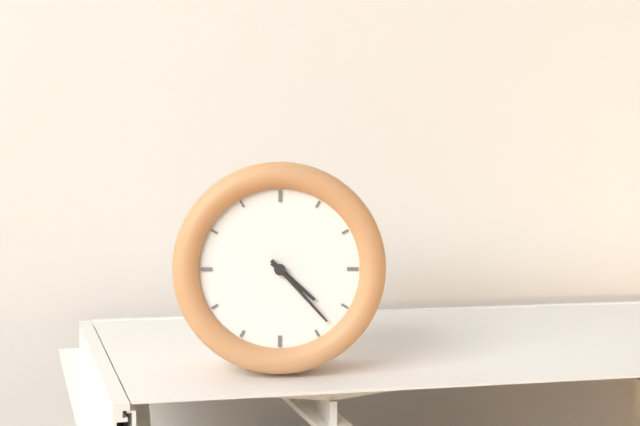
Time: {"hour": 4, "minute": 23}
